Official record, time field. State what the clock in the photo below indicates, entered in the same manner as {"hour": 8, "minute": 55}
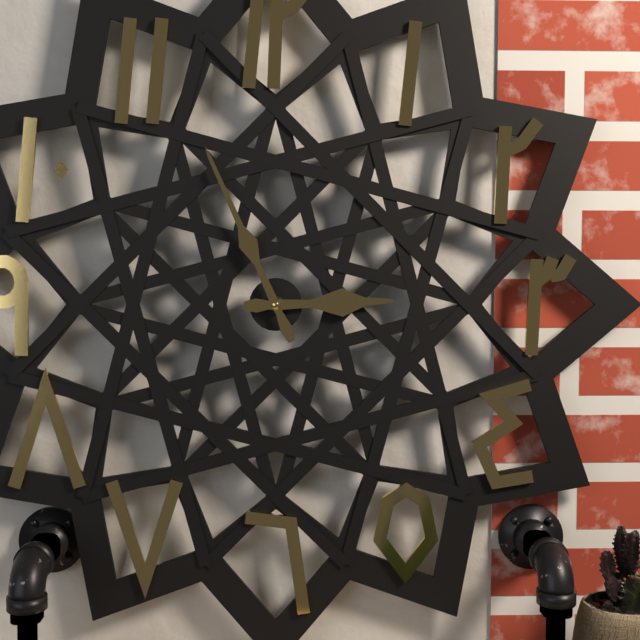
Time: {"hour": 2, "minute": 56}
